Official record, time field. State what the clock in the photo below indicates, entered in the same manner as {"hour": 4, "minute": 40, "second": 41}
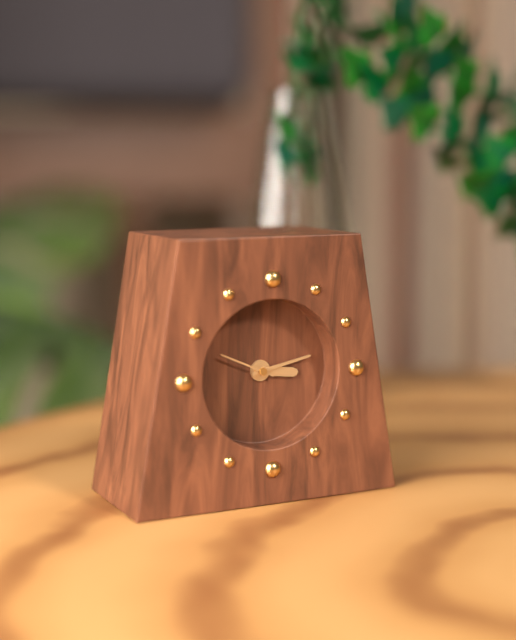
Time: {"hour": 3, "minute": 13, "second": 49}
